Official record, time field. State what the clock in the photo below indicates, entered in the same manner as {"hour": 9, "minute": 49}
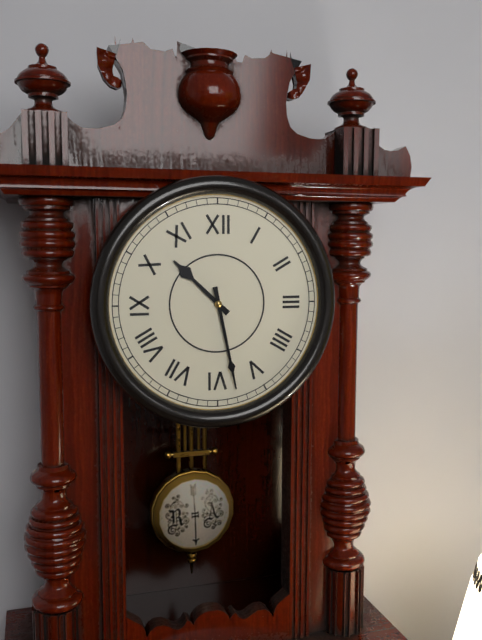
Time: {"hour": 10, "minute": 28}
